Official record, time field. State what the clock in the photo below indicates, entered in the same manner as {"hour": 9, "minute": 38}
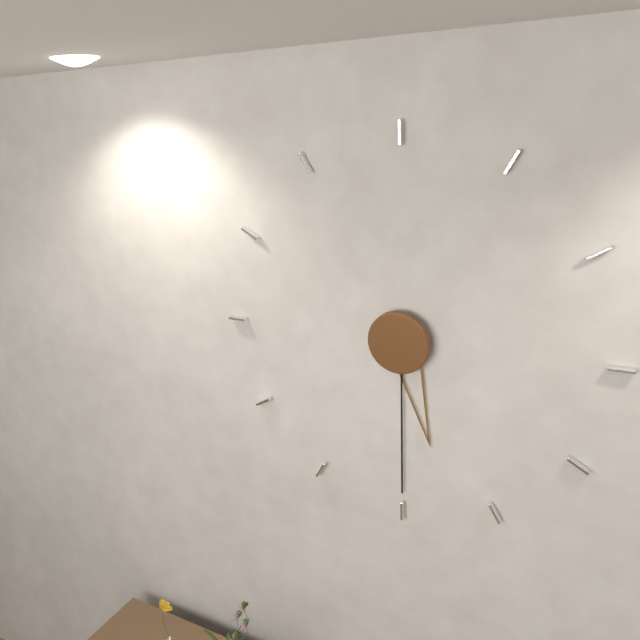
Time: {"hour": 5, "minute": 30}
